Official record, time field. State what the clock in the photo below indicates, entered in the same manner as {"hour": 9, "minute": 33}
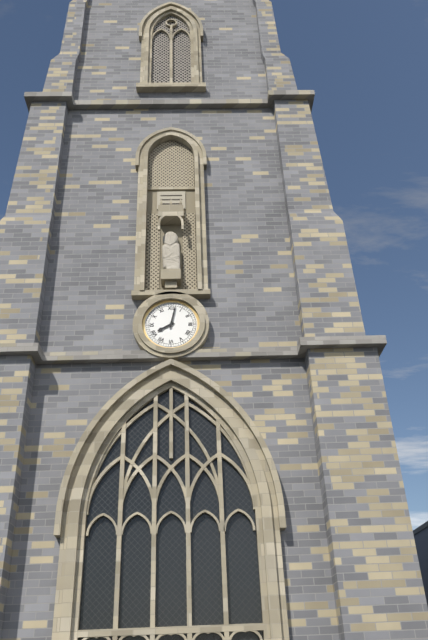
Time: {"hour": 8, "minute": 2}
